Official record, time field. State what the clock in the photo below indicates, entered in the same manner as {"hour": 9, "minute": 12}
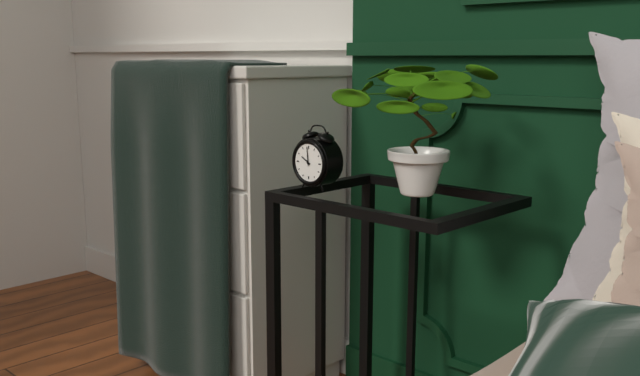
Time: {"hour": 9, "minute": 59}
